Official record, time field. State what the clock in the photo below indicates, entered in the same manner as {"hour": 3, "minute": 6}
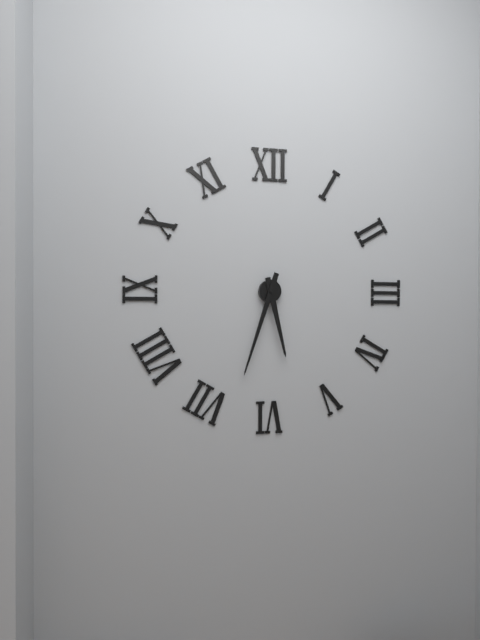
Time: {"hour": 5, "minute": 33}
